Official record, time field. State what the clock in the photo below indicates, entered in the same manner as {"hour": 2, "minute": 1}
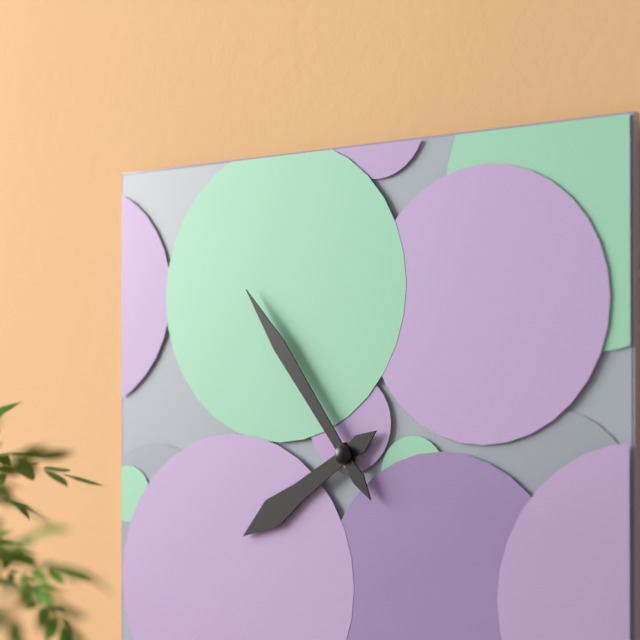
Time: {"hour": 7, "minute": 54}
